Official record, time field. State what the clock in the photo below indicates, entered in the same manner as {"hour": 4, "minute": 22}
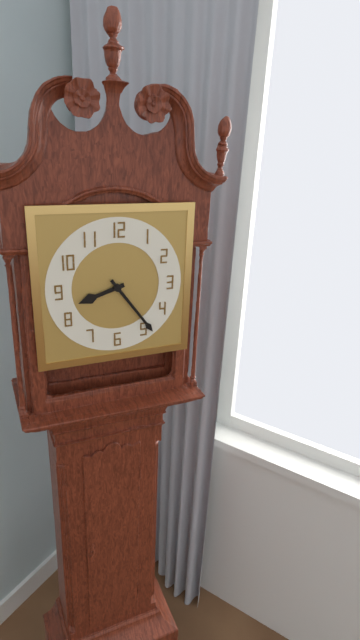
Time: {"hour": 8, "minute": 24}
